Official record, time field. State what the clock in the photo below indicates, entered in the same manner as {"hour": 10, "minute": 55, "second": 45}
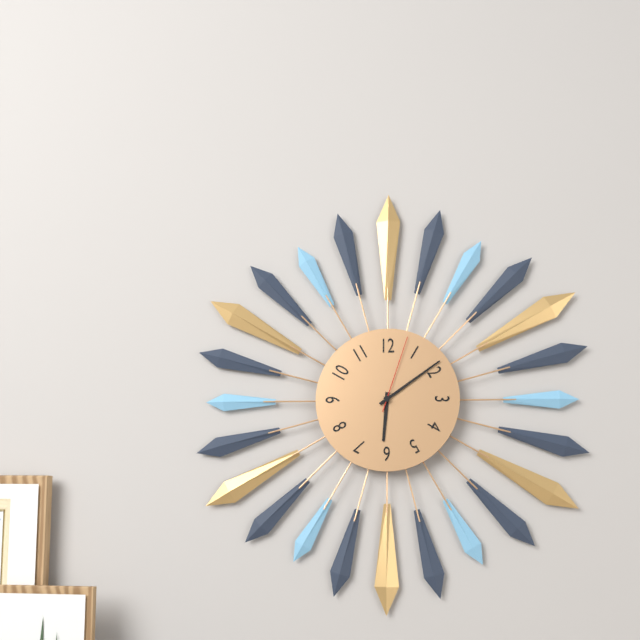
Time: {"hour": 6, "minute": 9, "second": 3}
